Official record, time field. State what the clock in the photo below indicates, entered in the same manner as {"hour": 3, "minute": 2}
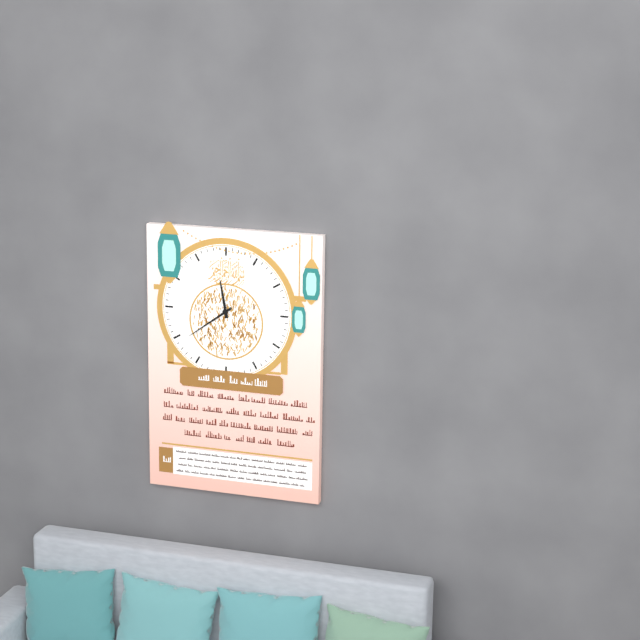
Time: {"hour": 11, "minute": 39}
